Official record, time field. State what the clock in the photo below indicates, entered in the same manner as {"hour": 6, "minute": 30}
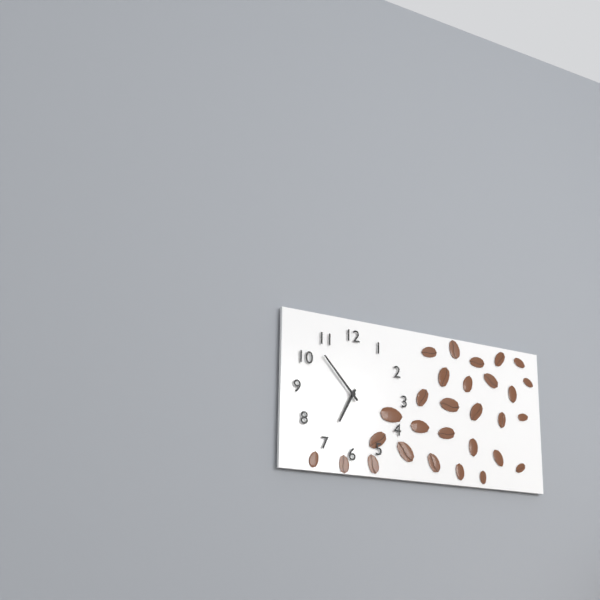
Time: {"hour": 6, "minute": 53}
